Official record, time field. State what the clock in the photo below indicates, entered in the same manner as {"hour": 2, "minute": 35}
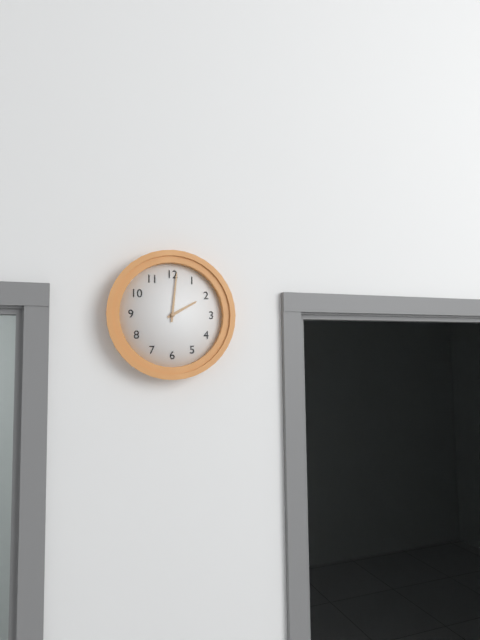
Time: {"hour": 2, "minute": 1}
